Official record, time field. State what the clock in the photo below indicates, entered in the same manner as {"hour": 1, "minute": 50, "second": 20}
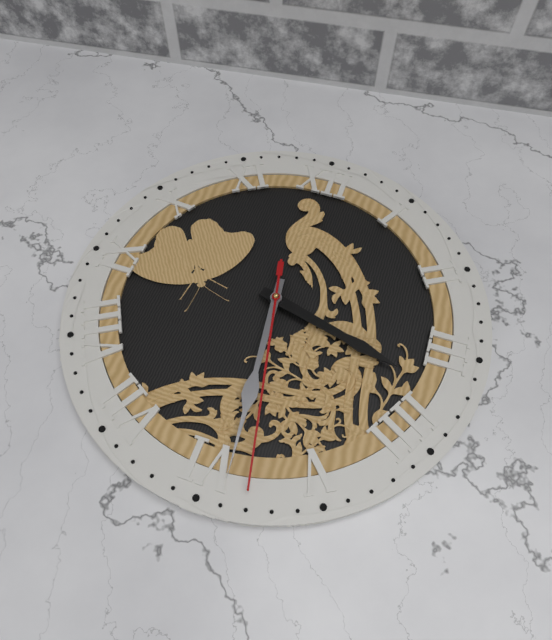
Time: {"hour": 3, "minute": 29, "second": 28}
